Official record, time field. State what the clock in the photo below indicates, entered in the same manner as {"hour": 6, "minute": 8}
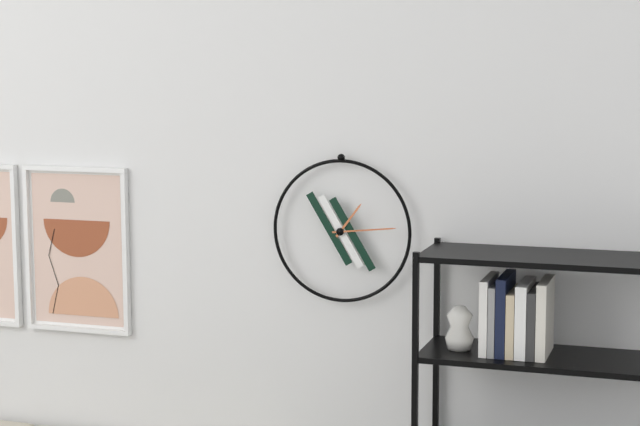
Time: {"hour": 1, "minute": 14}
